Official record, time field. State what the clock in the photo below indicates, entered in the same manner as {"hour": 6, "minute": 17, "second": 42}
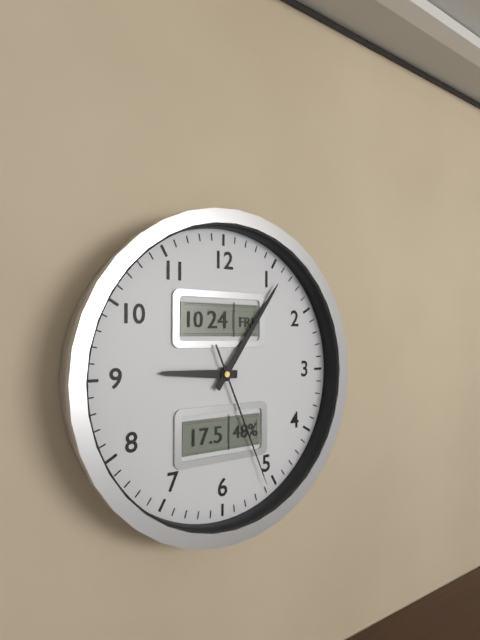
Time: {"hour": 9, "minute": 6, "second": 26}
